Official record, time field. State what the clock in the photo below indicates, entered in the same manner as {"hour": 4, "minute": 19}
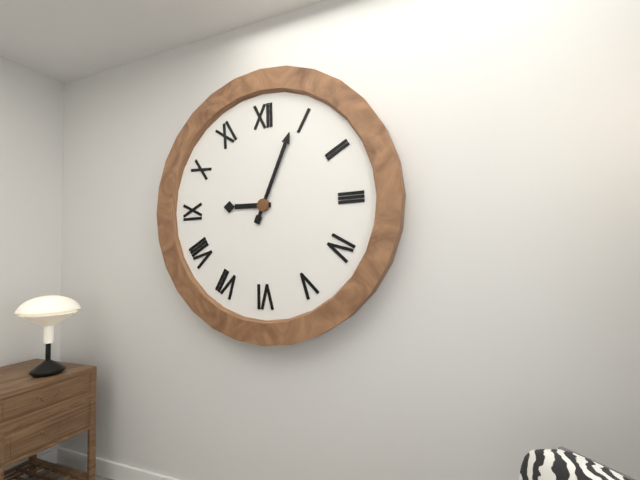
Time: {"hour": 9, "minute": 4}
